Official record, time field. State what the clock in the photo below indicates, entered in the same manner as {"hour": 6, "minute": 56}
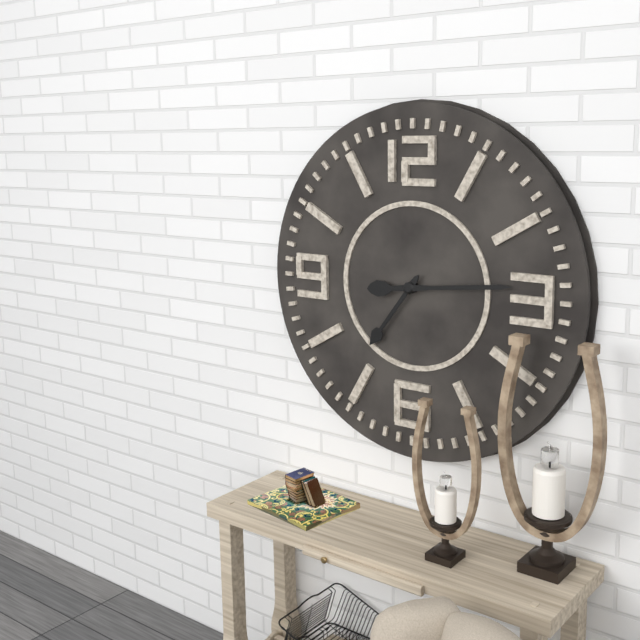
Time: {"hour": 7, "minute": 14}
